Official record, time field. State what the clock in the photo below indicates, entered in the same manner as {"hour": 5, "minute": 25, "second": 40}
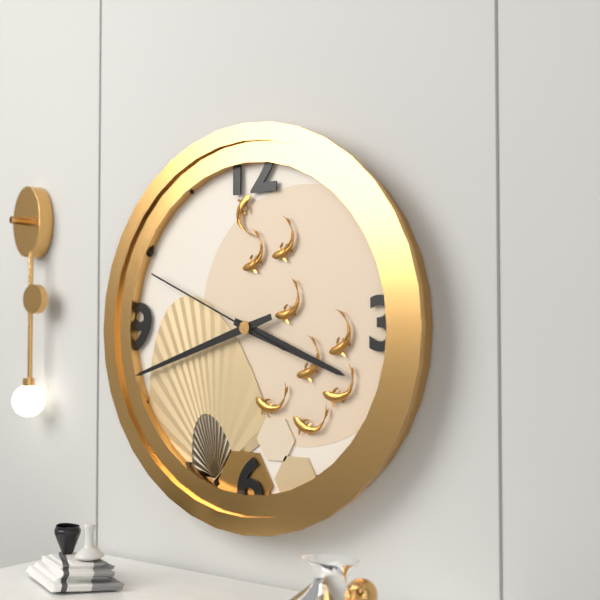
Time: {"hour": 3, "minute": 42, "second": 49}
